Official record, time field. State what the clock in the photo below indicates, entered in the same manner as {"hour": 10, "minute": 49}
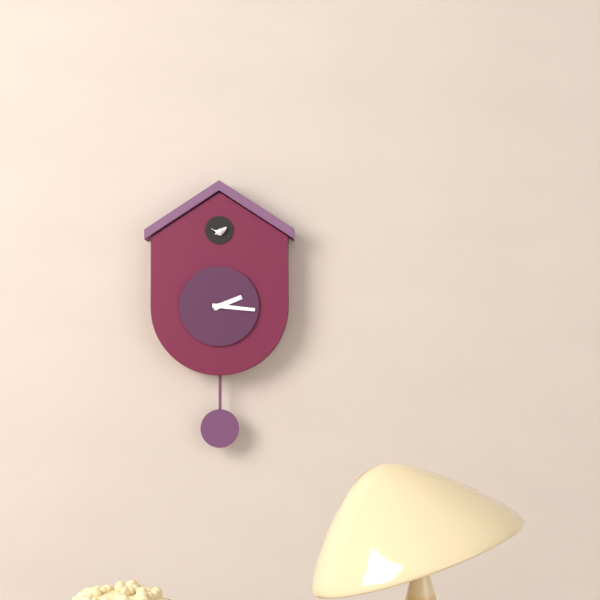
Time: {"hour": 2, "minute": 16}
